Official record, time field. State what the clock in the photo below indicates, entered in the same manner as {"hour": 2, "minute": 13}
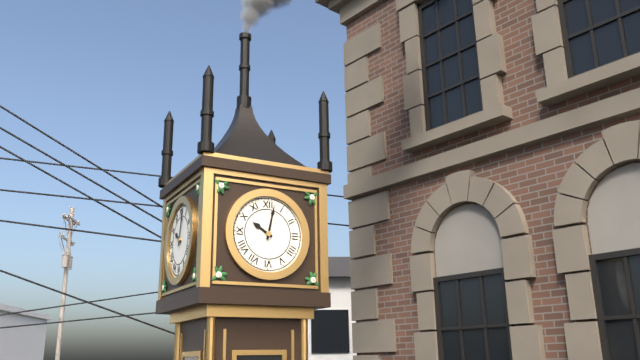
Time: {"hour": 10, "minute": 2}
